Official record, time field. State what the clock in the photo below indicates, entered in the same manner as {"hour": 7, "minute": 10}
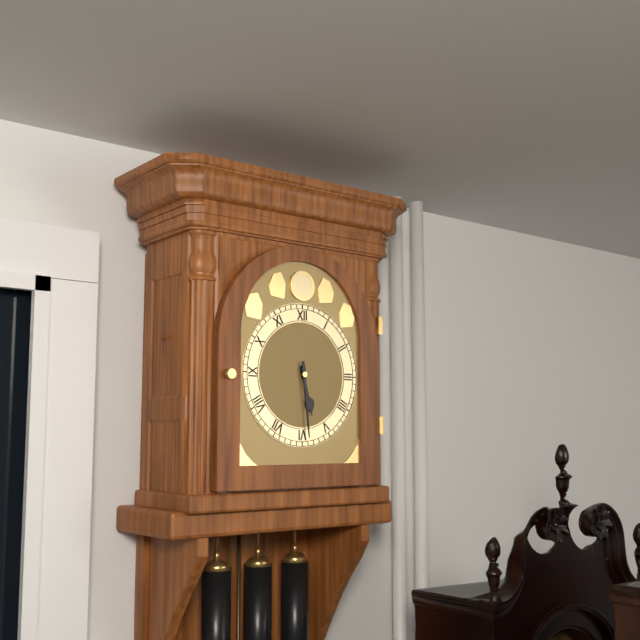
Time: {"hour": 5, "minute": 29}
